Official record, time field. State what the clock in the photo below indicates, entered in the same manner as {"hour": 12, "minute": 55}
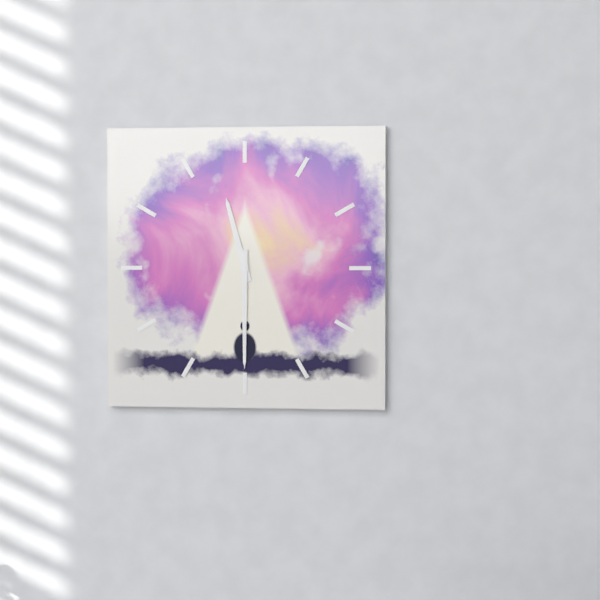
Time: {"hour": 11, "minute": 30}
